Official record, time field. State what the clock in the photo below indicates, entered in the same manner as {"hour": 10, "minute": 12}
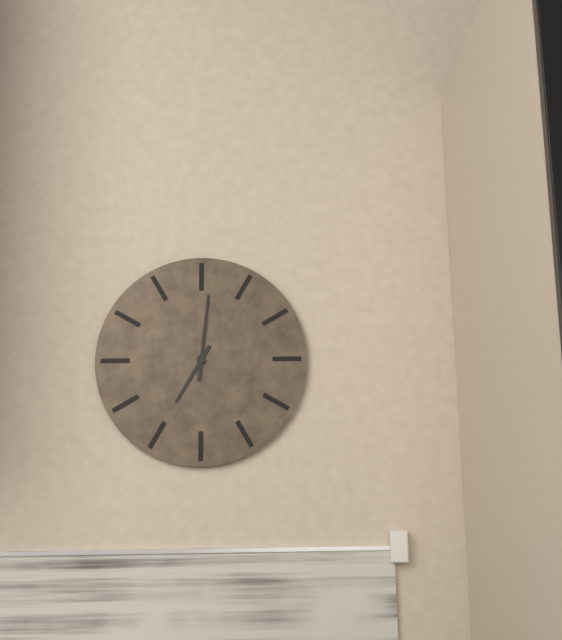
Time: {"hour": 7, "minute": 1}
